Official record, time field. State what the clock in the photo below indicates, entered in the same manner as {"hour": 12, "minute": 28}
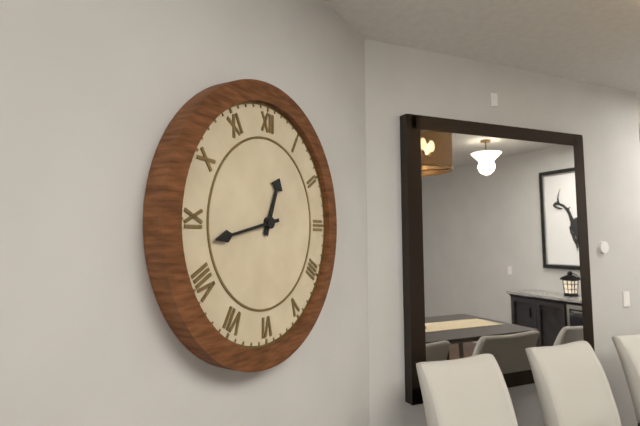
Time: {"hour": 12, "minute": 43}
